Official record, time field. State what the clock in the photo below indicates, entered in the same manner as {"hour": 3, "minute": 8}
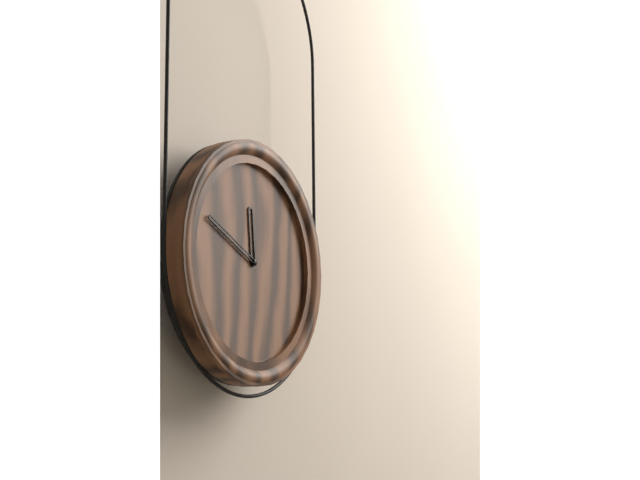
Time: {"hour": 11, "minute": 49}
